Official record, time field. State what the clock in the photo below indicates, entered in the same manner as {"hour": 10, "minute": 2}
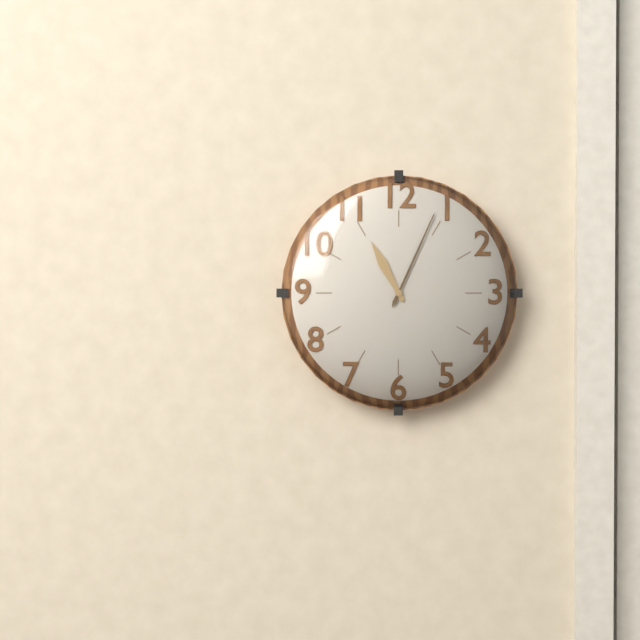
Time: {"hour": 11, "minute": 4}
